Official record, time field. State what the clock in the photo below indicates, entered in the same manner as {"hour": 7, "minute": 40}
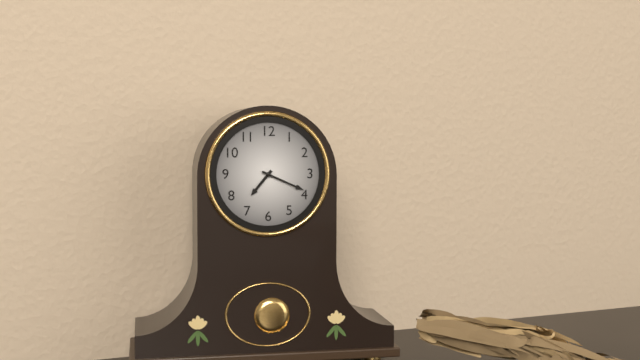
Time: {"hour": 7, "minute": 19}
